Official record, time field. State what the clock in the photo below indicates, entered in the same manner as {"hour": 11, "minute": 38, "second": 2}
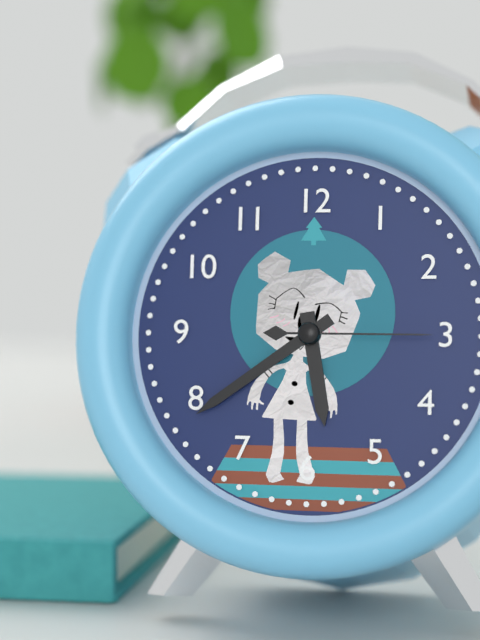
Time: {"hour": 5, "minute": 39, "second": 15}
